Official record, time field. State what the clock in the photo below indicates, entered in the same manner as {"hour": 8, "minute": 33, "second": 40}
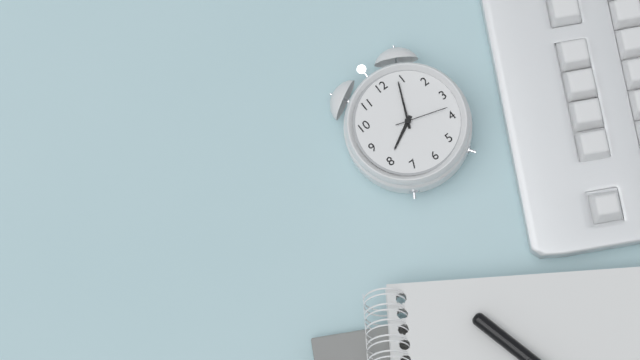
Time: {"hour": 8, "minute": 4, "second": 18}
